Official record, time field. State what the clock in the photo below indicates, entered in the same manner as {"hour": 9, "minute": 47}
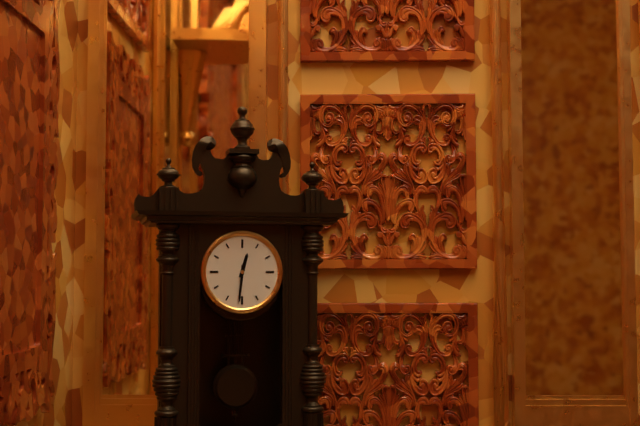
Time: {"hour": 12, "minute": 31}
